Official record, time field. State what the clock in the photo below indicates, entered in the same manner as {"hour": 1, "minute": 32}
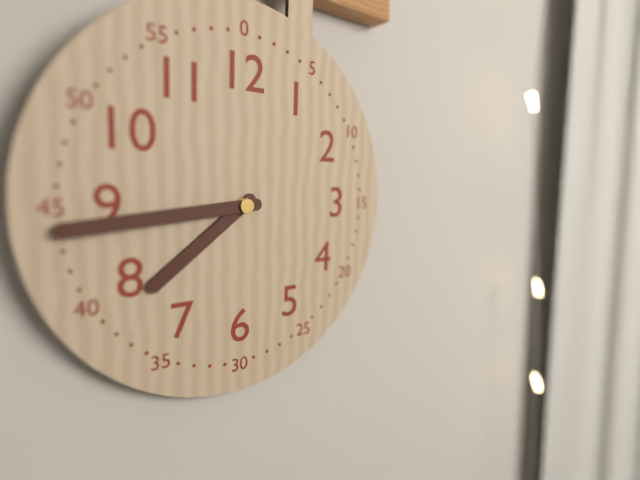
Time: {"hour": 7, "minute": 44}
